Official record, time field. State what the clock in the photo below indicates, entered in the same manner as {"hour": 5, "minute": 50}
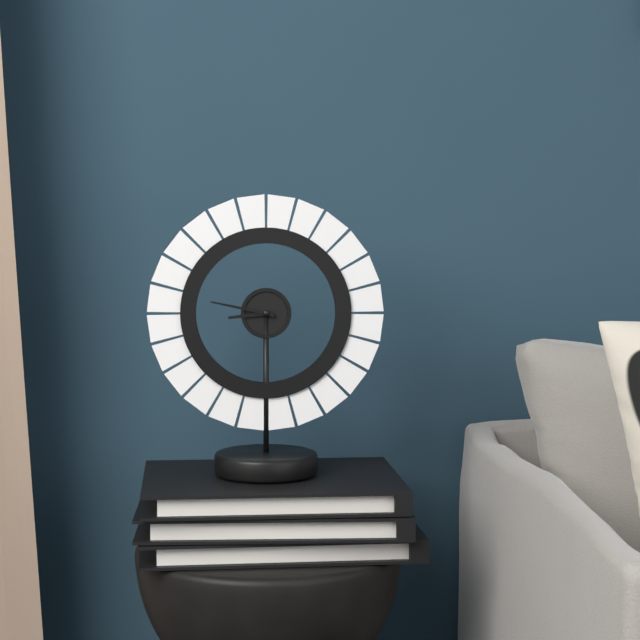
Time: {"hour": 8, "minute": 47}
